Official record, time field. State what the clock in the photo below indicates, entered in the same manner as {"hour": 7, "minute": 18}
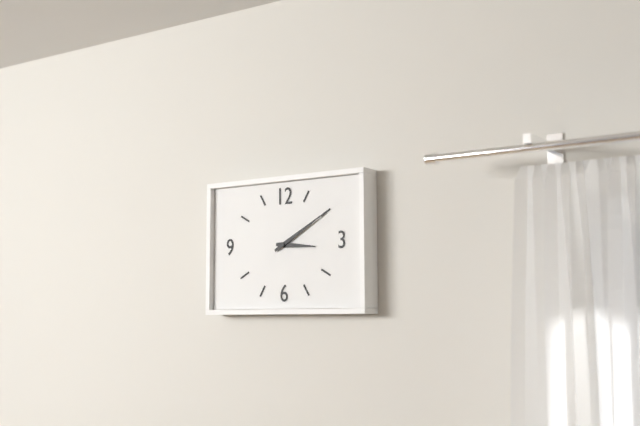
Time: {"hour": 3, "minute": 10}
